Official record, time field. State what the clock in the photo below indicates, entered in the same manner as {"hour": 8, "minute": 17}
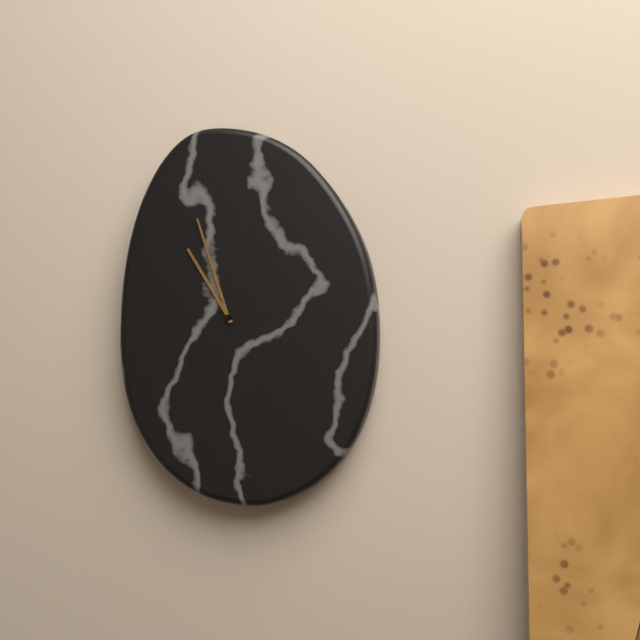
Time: {"hour": 10, "minute": 57}
